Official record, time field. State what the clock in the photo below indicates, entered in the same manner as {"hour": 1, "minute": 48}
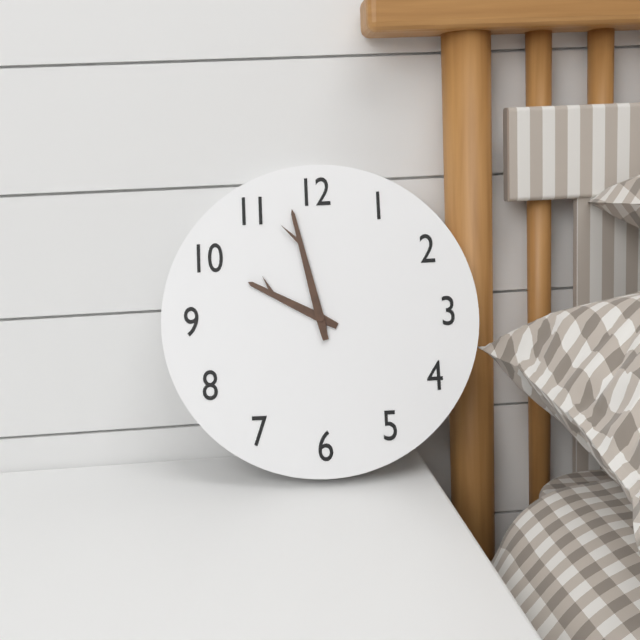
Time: {"hour": 9, "minute": 58}
